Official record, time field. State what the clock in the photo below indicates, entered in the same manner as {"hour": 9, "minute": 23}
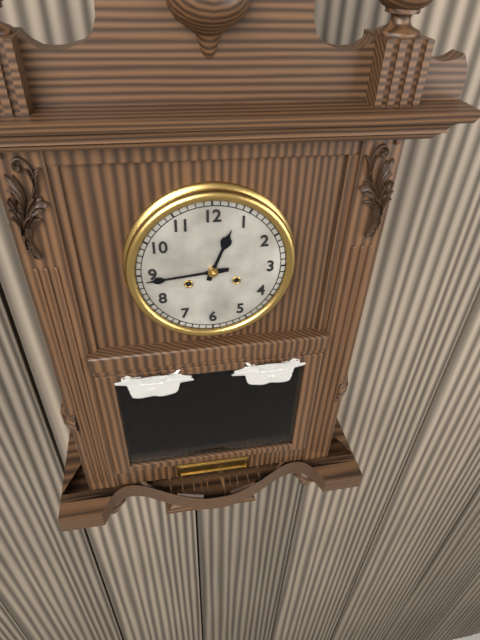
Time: {"hour": 12, "minute": 44}
